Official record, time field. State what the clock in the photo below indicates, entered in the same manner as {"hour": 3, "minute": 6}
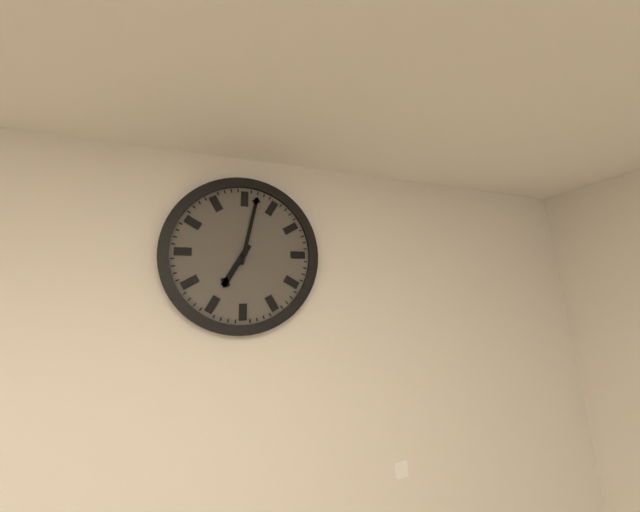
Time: {"hour": 7, "minute": 2}
